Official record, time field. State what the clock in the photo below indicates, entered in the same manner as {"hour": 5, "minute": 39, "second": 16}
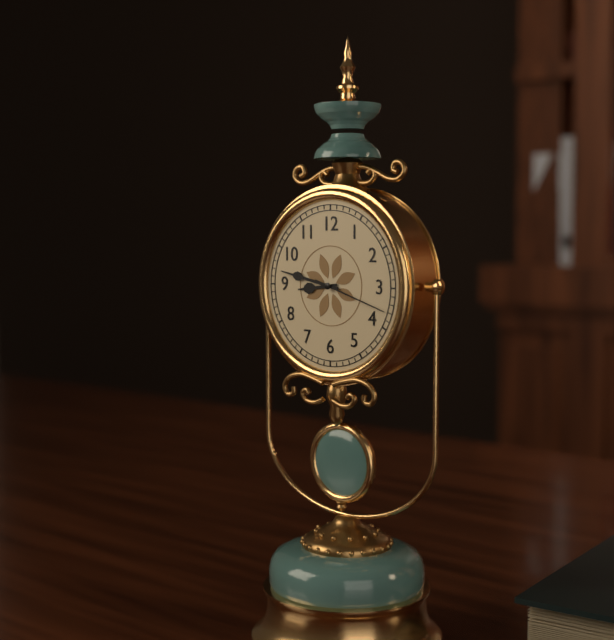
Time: {"hour": 8, "minute": 47, "second": 18}
